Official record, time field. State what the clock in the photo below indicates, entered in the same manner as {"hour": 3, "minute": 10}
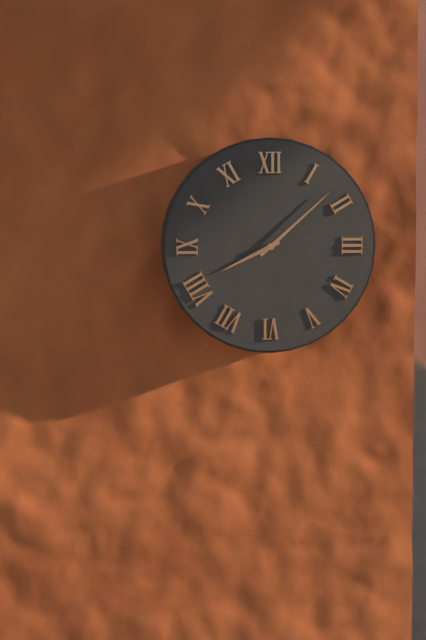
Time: {"hour": 8, "minute": 8}
